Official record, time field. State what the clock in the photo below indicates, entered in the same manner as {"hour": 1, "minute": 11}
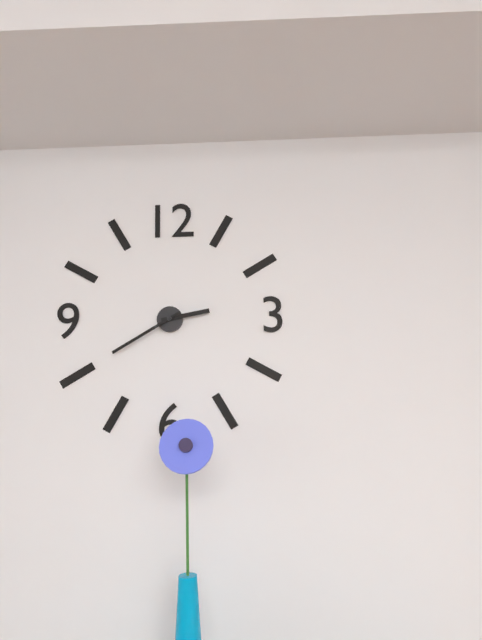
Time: {"hour": 2, "minute": 40}
